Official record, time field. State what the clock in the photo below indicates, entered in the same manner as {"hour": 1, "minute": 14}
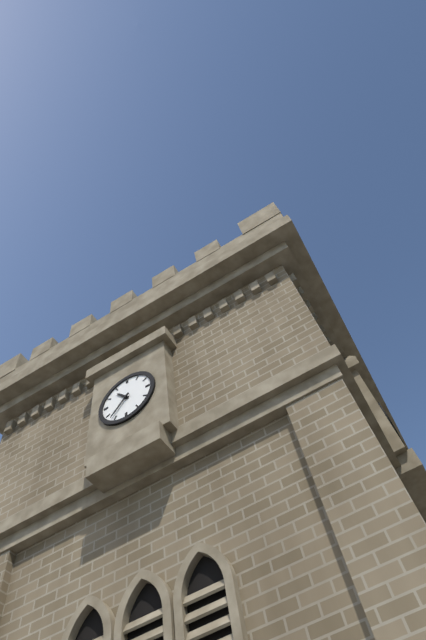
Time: {"hour": 10, "minute": 37}
